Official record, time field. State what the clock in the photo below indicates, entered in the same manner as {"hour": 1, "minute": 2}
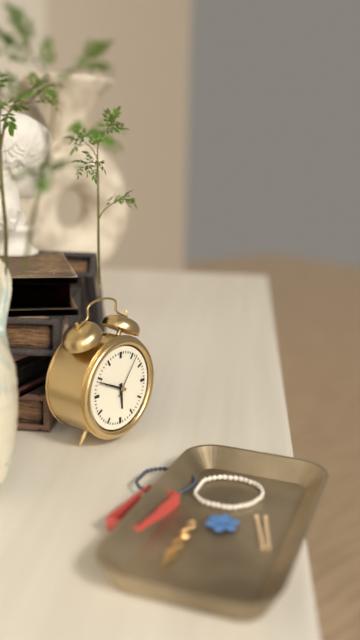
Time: {"hour": 5, "minute": 49}
